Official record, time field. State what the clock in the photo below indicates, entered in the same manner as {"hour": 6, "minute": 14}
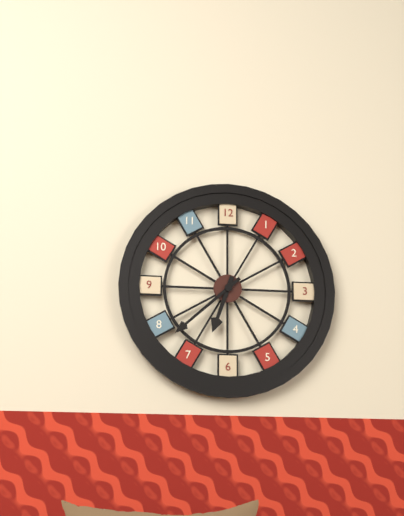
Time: {"hour": 6, "minute": 38}
